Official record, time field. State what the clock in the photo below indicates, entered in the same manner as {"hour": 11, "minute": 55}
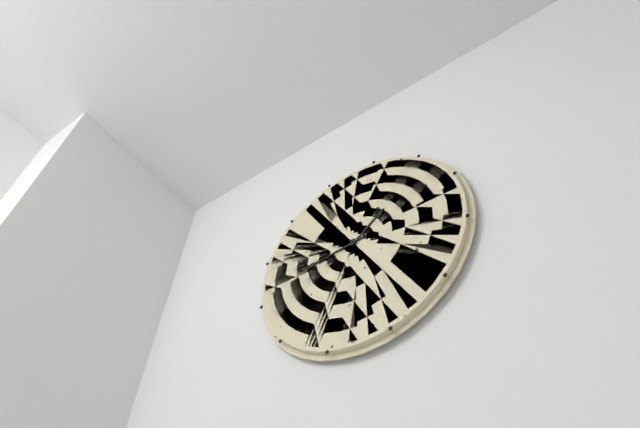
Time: {"hour": 1, "minute": 44}
